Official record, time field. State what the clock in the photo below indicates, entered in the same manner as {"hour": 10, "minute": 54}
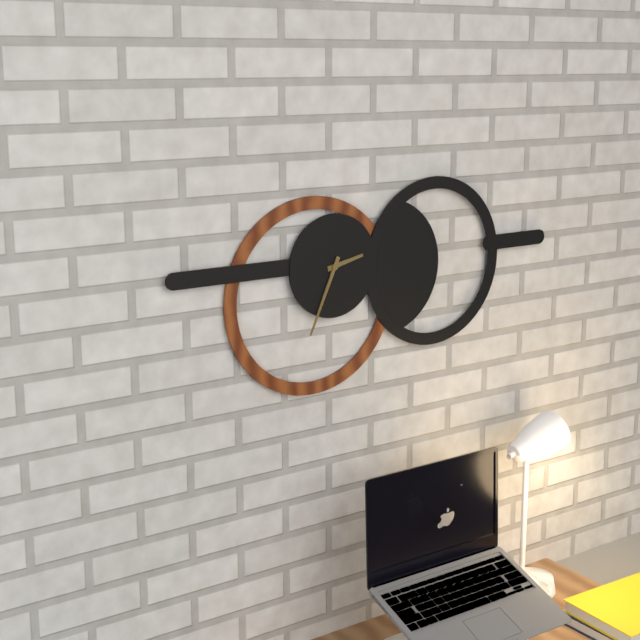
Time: {"hour": 2, "minute": 34}
